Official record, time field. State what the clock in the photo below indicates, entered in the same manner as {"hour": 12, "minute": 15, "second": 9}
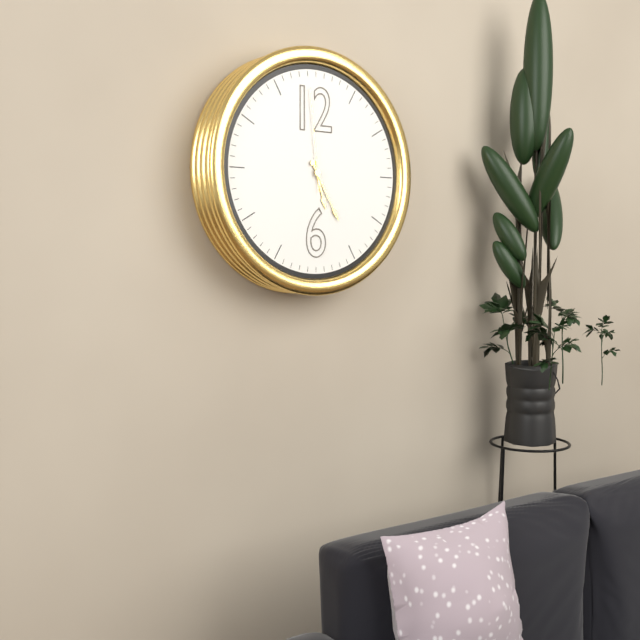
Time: {"hour": 5, "minute": 25, "second": 59}
